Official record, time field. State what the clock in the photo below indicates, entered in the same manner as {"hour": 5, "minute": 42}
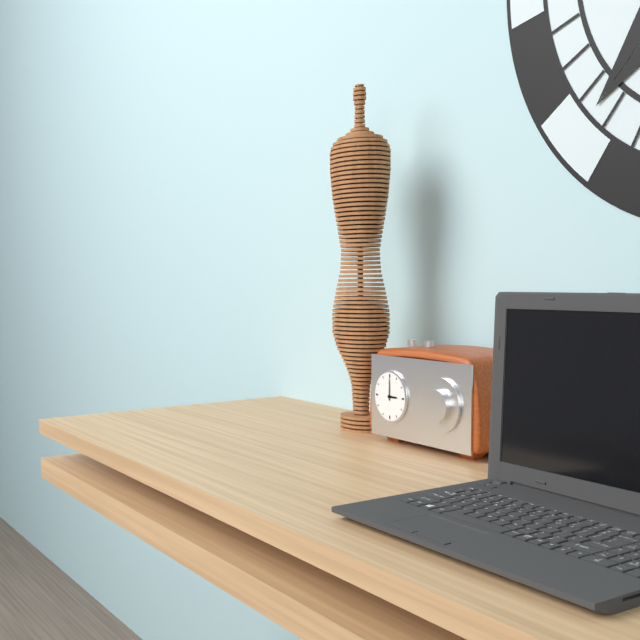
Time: {"hour": 3, "minute": 0}
